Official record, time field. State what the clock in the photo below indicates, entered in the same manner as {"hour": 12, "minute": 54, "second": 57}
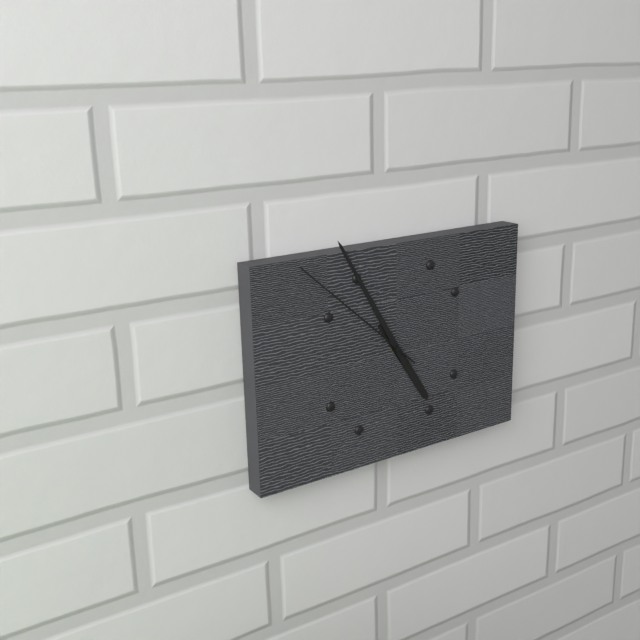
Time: {"hour": 4, "minute": 55, "second": 52}
